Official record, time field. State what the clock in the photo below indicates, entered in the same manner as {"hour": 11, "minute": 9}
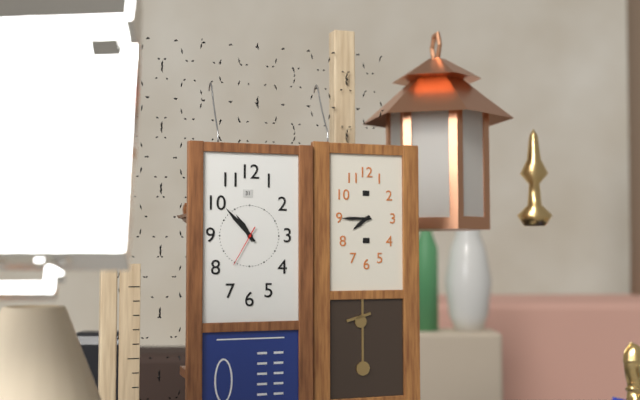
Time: {"hour": 10, "minute": 53}
